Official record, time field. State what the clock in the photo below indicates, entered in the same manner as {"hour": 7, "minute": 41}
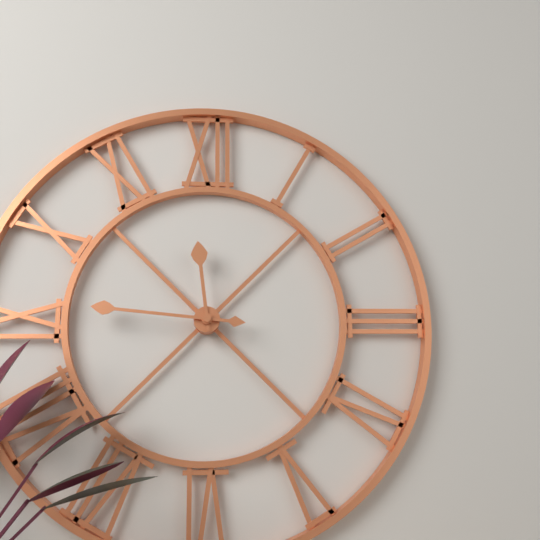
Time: {"hour": 11, "minute": 46}
